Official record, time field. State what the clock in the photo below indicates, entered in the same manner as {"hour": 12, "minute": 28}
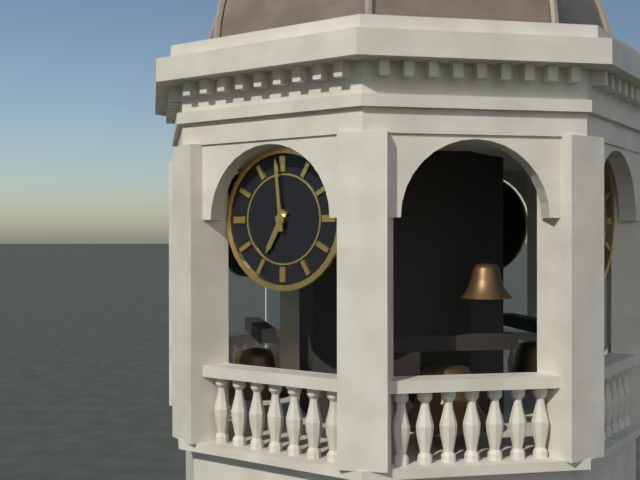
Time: {"hour": 6, "minute": 59}
